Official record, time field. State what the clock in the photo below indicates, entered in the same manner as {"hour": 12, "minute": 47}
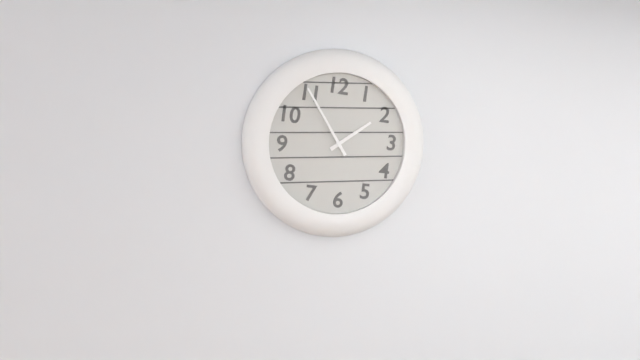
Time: {"hour": 1, "minute": 55}
